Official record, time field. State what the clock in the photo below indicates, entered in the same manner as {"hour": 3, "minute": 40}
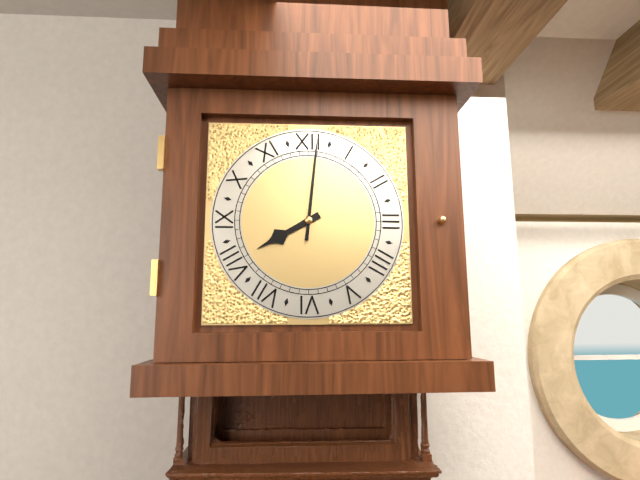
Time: {"hour": 8, "minute": 1}
